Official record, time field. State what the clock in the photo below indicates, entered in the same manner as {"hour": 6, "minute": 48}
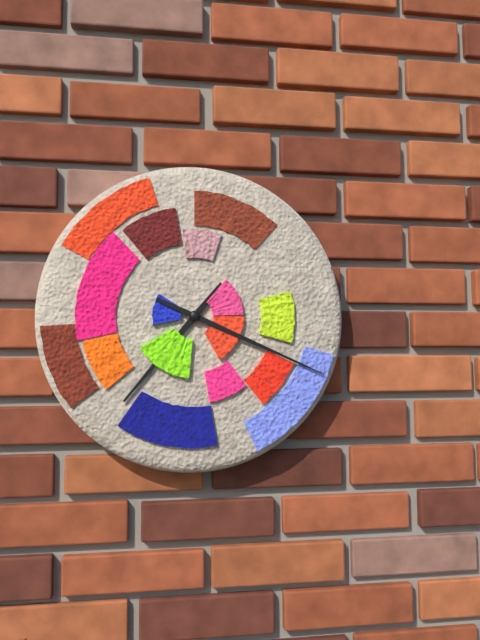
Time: {"hour": 7, "minute": 19}
